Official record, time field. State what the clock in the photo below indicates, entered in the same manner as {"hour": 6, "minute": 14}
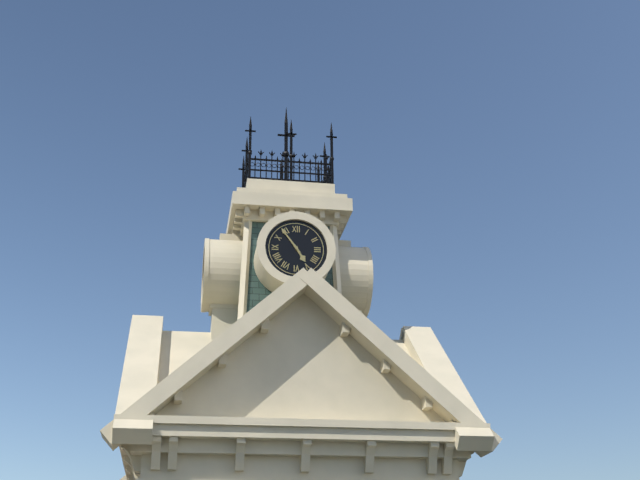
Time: {"hour": 4, "minute": 54}
